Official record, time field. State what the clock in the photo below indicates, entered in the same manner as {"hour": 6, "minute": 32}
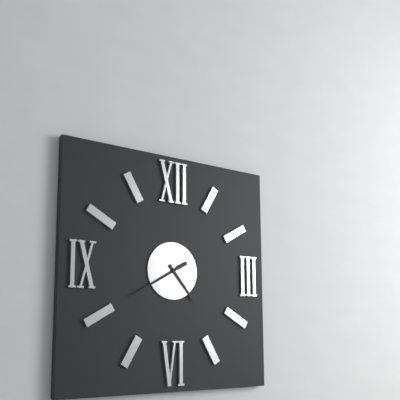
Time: {"hour": 4, "minute": 40}
